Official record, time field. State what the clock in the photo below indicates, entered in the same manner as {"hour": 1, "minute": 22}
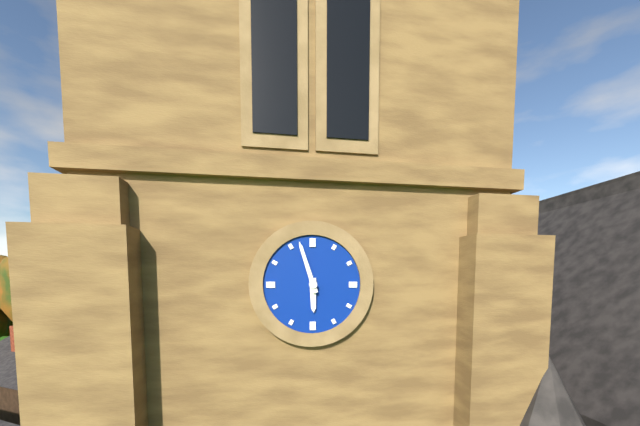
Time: {"hour": 5, "minute": 57}
